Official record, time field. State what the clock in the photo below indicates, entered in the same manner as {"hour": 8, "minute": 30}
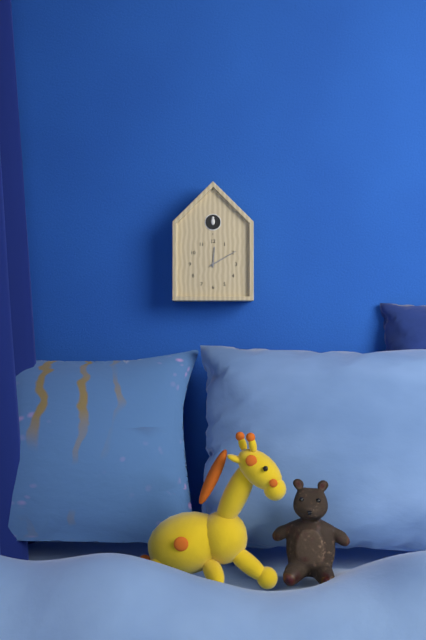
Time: {"hour": 12, "minute": 10}
